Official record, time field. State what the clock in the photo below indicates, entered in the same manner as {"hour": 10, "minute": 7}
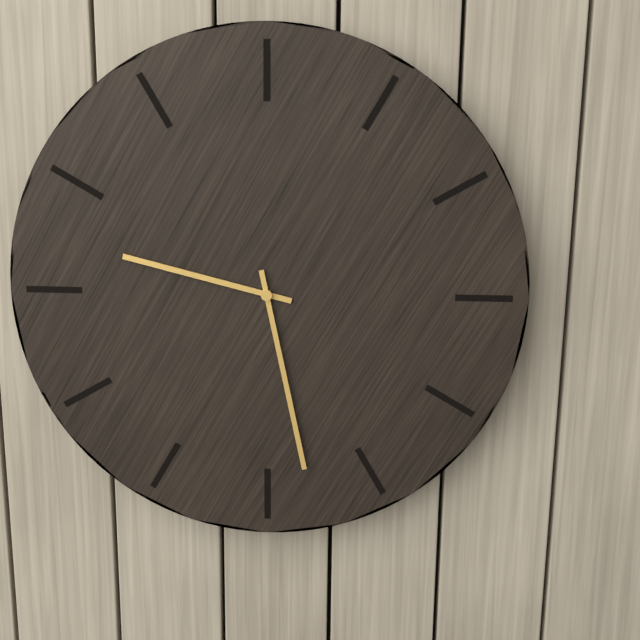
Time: {"hour": 9, "minute": 28}
